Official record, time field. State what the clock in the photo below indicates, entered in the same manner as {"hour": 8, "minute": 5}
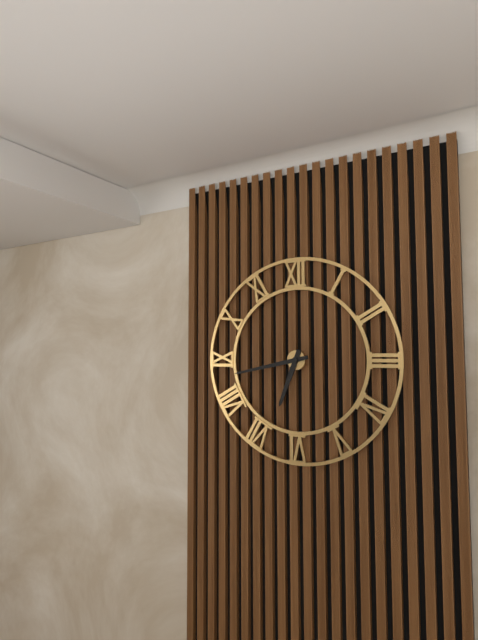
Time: {"hour": 6, "minute": 43}
